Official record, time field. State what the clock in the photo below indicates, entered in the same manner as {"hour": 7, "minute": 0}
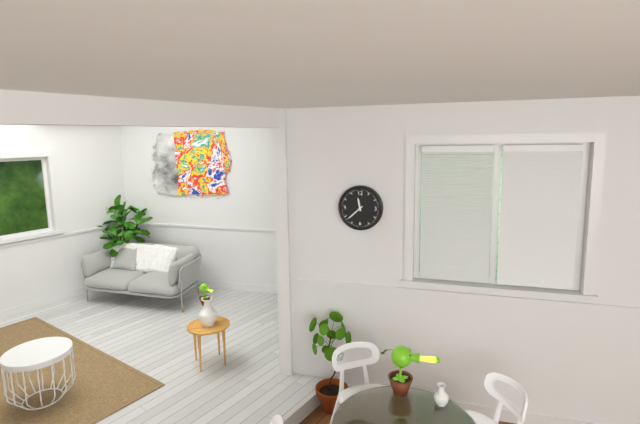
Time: {"hour": 11, "minute": 38}
